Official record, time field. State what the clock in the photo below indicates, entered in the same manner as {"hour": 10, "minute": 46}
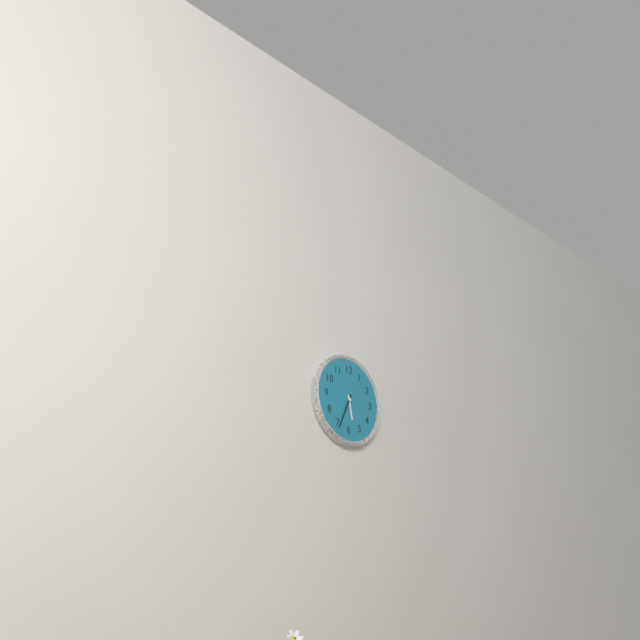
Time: {"hour": 5, "minute": 34}
